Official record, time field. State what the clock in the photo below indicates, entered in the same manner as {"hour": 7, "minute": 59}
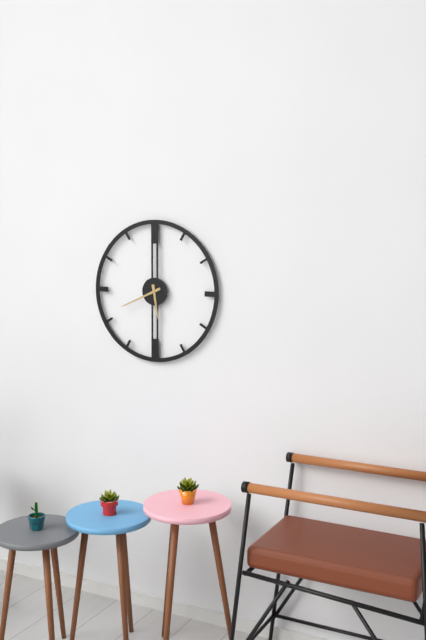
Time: {"hour": 5, "minute": 41}
